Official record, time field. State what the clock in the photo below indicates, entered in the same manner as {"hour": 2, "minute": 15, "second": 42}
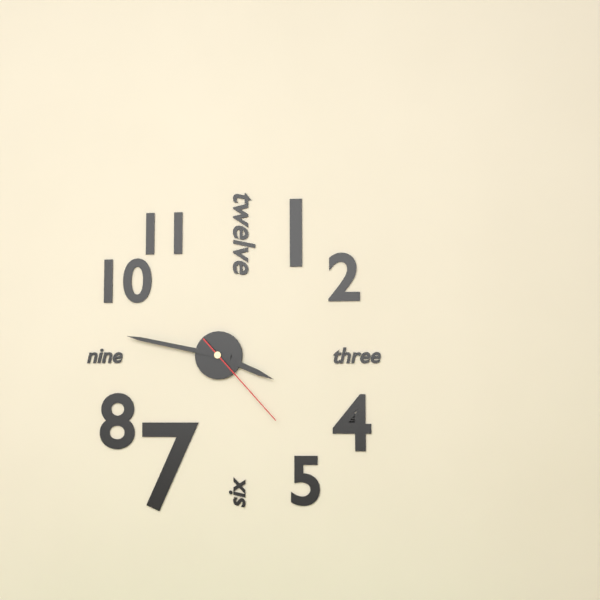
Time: {"hour": 3, "minute": 47, "second": 23}
